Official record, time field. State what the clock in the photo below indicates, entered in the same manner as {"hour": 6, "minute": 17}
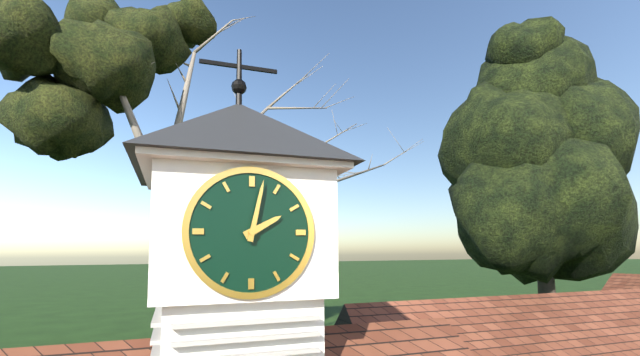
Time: {"hour": 2, "minute": 2}
